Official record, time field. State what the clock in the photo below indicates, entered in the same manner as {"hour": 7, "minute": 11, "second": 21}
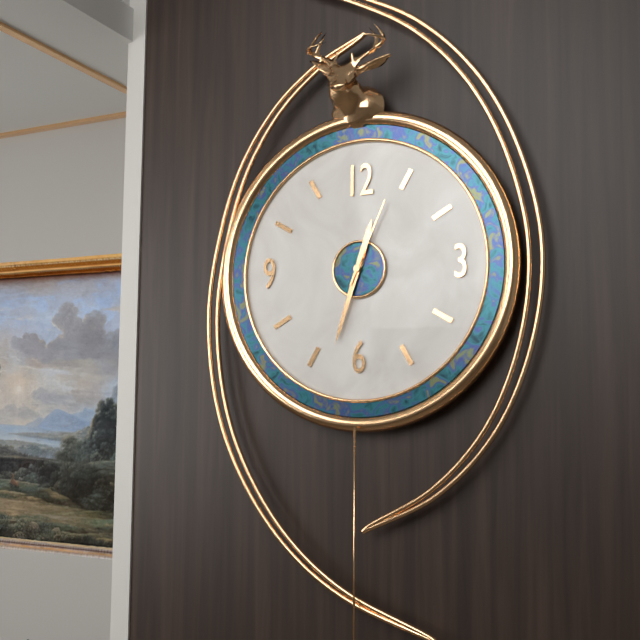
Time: {"hour": 12, "minute": 33, "second": 4}
